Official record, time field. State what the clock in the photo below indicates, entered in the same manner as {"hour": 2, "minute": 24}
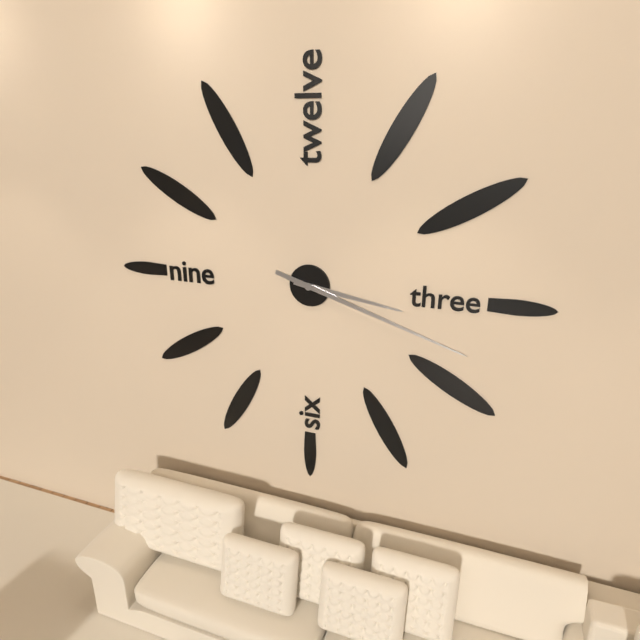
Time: {"hour": 3, "minute": 18}
